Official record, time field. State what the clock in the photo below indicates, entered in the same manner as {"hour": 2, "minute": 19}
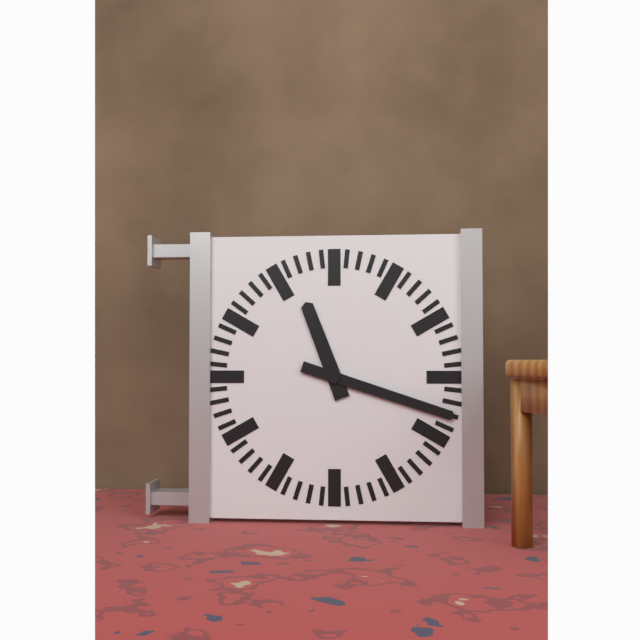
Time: {"hour": 11, "minute": 18}
